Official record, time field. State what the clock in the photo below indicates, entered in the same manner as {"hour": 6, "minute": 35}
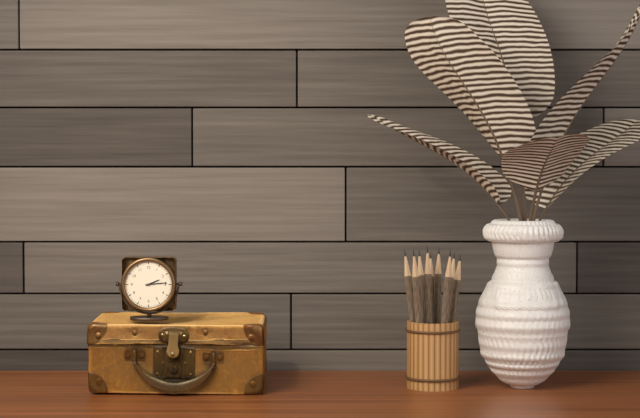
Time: {"hour": 2, "minute": 14}
